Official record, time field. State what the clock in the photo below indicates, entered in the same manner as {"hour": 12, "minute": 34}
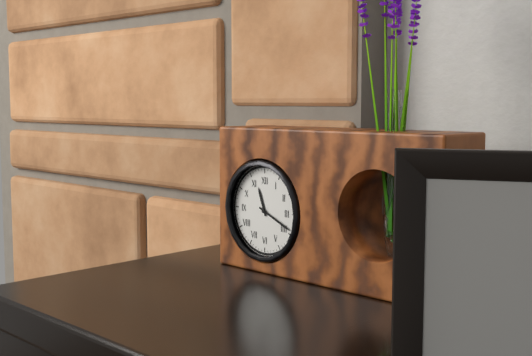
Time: {"hour": 11, "minute": 19}
